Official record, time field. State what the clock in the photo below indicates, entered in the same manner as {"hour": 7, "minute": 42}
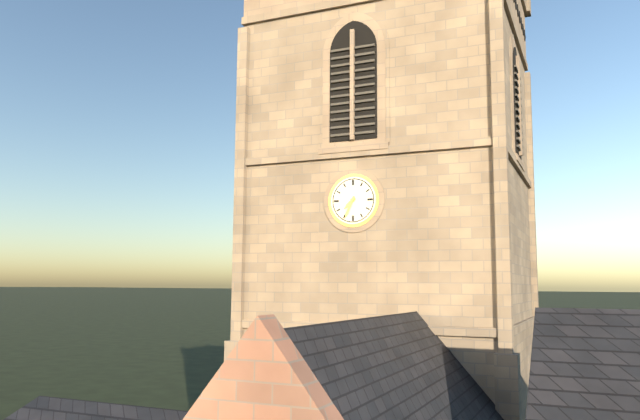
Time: {"hour": 7, "minute": 34}
